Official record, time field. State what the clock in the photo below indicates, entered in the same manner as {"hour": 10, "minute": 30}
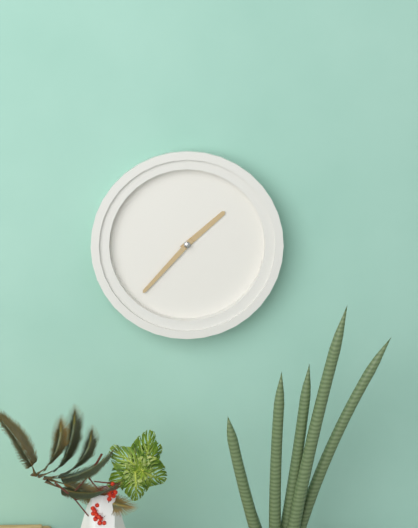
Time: {"hour": 1, "minute": 37}
